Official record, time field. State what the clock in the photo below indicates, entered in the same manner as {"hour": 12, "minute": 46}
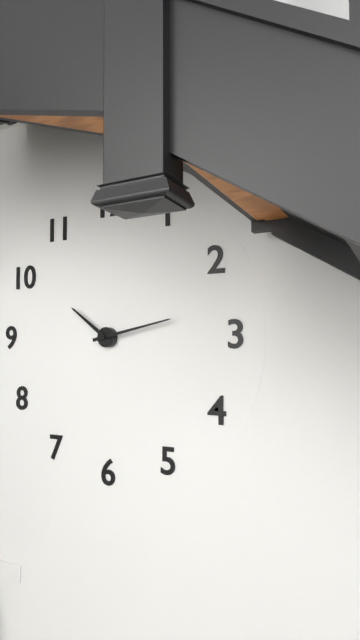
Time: {"hour": 10, "minute": 13}
